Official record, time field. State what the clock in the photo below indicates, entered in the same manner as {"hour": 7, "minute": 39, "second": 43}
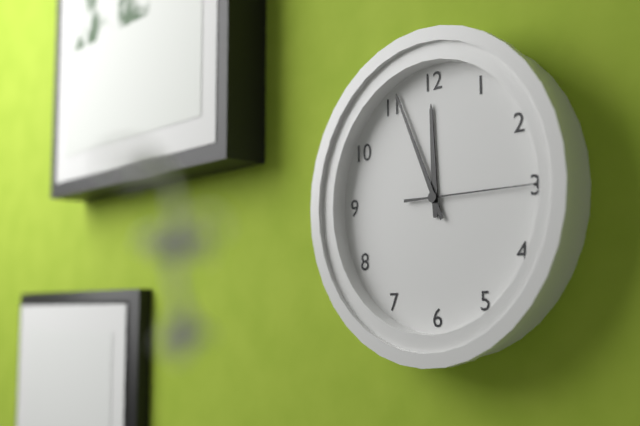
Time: {"hour": 11, "minute": 56, "second": 15}
